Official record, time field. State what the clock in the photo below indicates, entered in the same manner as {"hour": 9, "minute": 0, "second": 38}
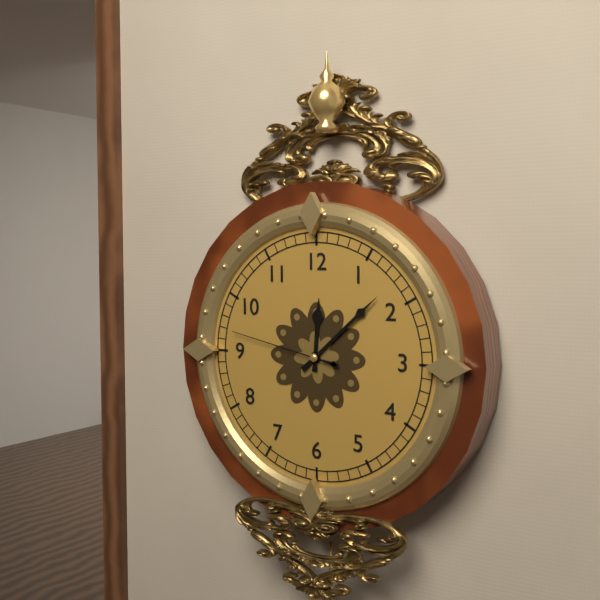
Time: {"hour": 12, "minute": 8, "second": 47}
